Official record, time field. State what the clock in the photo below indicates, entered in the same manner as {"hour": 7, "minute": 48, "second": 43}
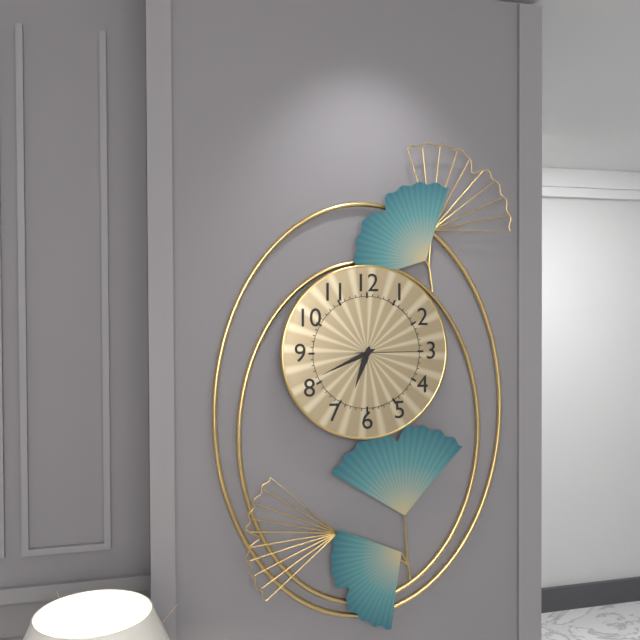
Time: {"hour": 6, "minute": 41, "second": 15}
